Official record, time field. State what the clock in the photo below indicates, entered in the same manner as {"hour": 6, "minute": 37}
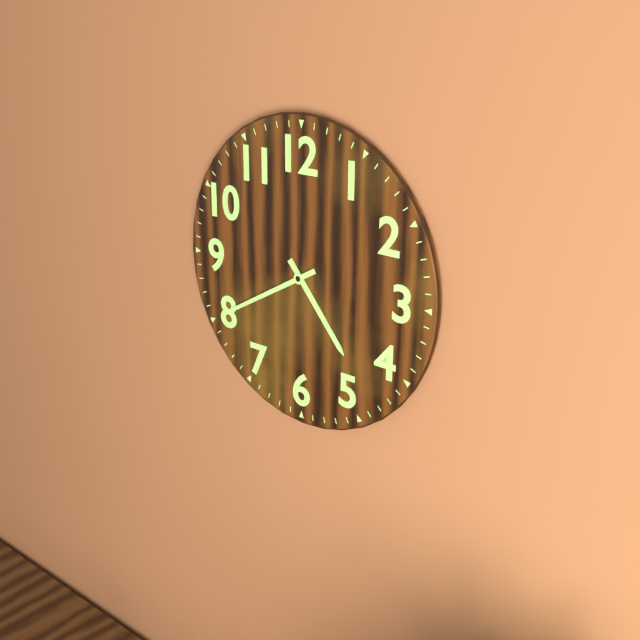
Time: {"hour": 4, "minute": 40}
